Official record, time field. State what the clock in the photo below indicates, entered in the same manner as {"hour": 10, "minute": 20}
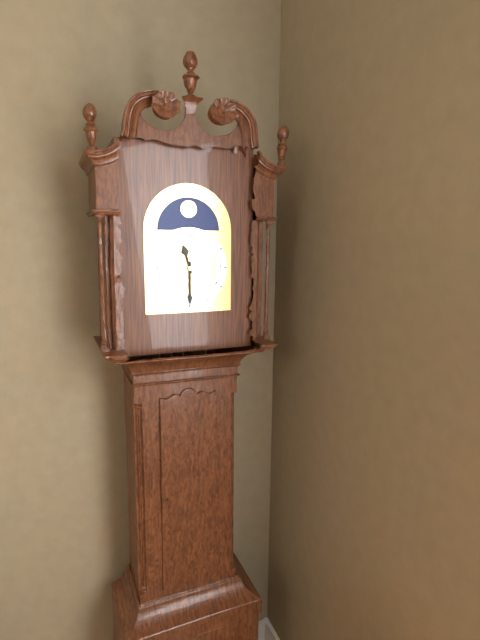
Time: {"hour": 11, "minute": 30}
